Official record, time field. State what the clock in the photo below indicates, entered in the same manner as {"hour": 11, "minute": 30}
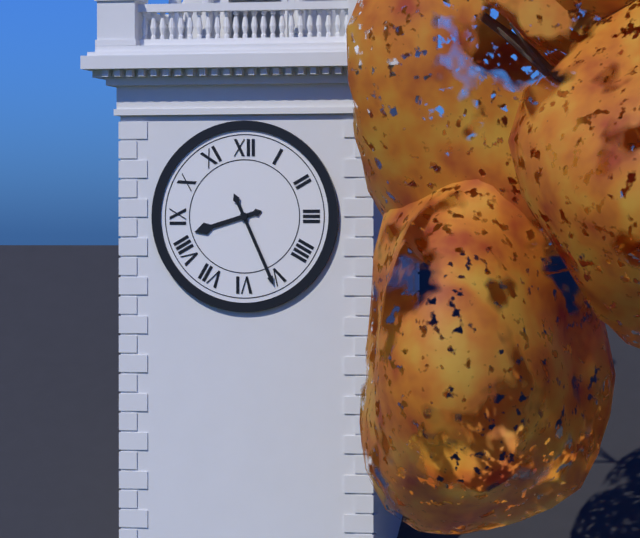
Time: {"hour": 8, "minute": 26}
